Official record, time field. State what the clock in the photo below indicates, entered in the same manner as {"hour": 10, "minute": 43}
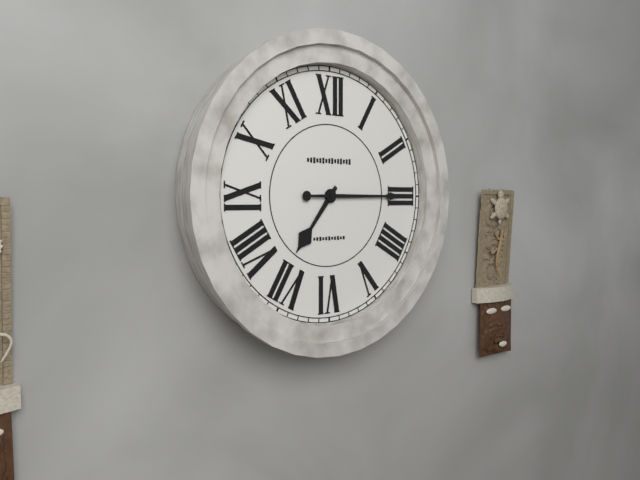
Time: {"hour": 7, "minute": 15}
